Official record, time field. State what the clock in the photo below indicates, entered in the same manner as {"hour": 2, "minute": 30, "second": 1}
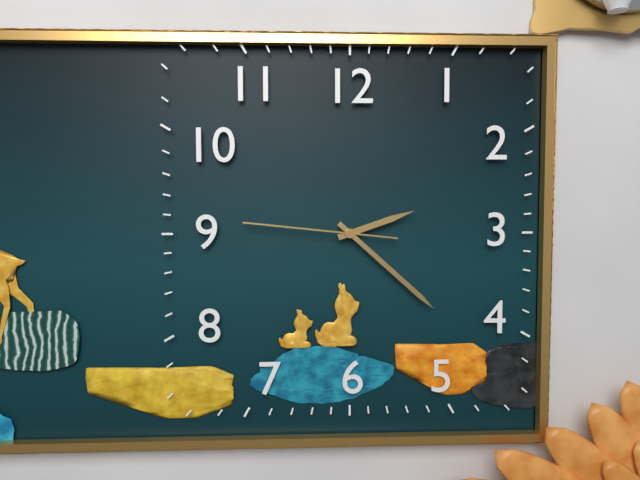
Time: {"hour": 2, "minute": 22, "second": 46}
